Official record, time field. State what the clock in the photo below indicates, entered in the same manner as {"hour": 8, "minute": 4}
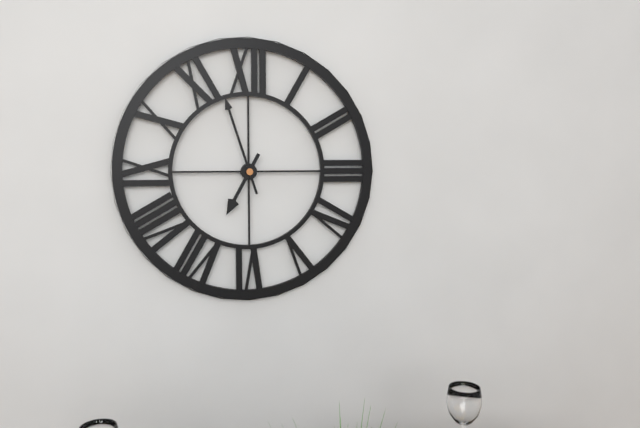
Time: {"hour": 6, "minute": 57}
